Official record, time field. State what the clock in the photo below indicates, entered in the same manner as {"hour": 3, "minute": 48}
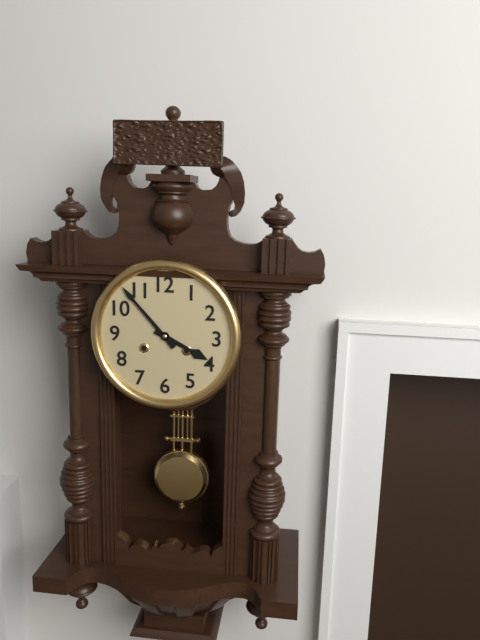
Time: {"hour": 3, "minute": 53}
